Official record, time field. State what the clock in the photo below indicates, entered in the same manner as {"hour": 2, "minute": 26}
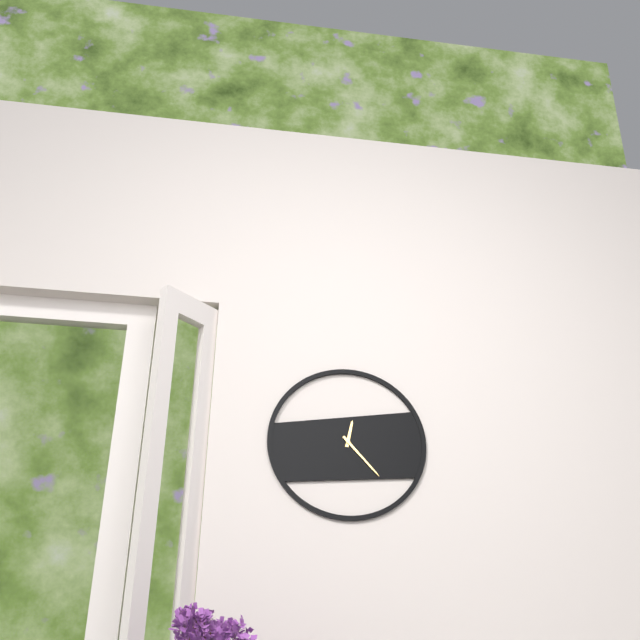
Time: {"hour": 12, "minute": 23}
